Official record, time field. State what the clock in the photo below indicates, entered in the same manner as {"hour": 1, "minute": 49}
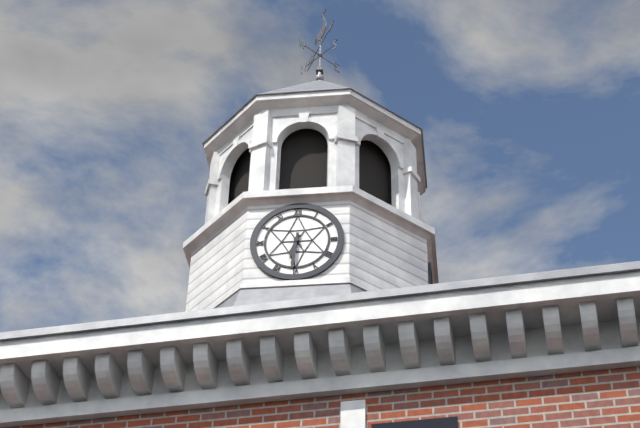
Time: {"hour": 6, "minute": 31}
